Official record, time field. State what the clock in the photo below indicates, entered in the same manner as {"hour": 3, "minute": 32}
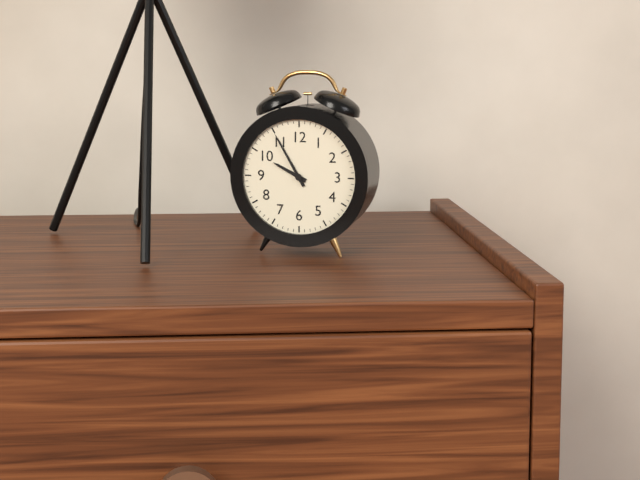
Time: {"hour": 9, "minute": 55}
